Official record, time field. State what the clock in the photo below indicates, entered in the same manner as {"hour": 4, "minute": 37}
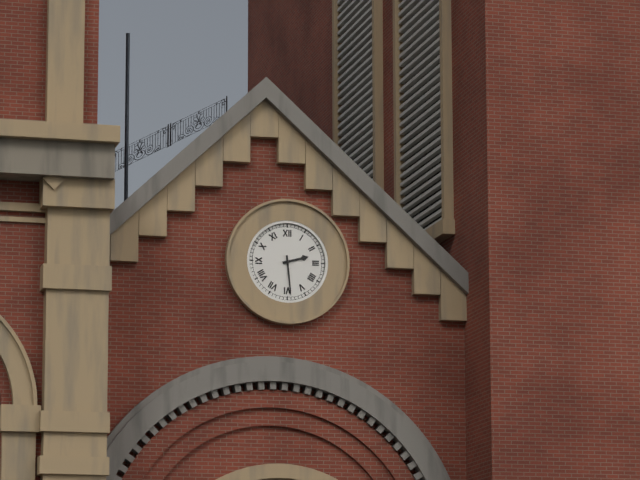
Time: {"hour": 2, "minute": 29}
